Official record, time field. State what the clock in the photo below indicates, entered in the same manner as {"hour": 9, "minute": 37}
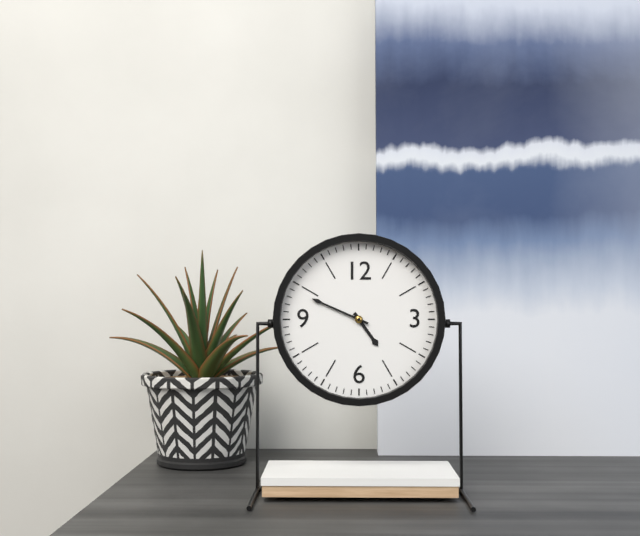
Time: {"hour": 4, "minute": 49}
